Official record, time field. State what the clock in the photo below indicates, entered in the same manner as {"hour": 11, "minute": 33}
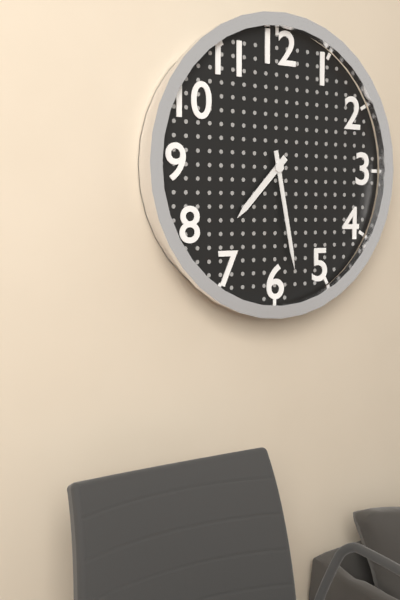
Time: {"hour": 7, "minute": 28}
